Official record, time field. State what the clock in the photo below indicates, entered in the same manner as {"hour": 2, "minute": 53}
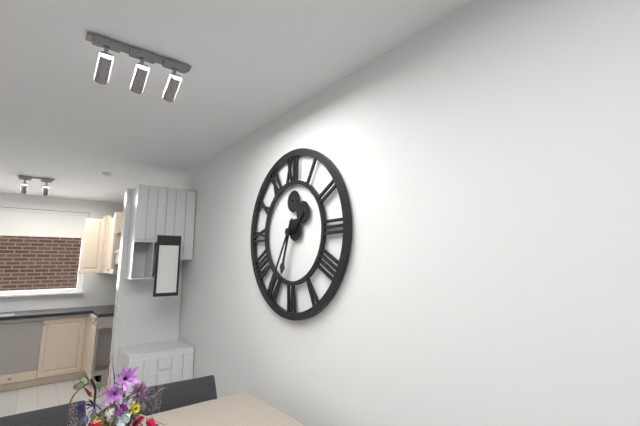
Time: {"hour": 6, "minute": 35}
